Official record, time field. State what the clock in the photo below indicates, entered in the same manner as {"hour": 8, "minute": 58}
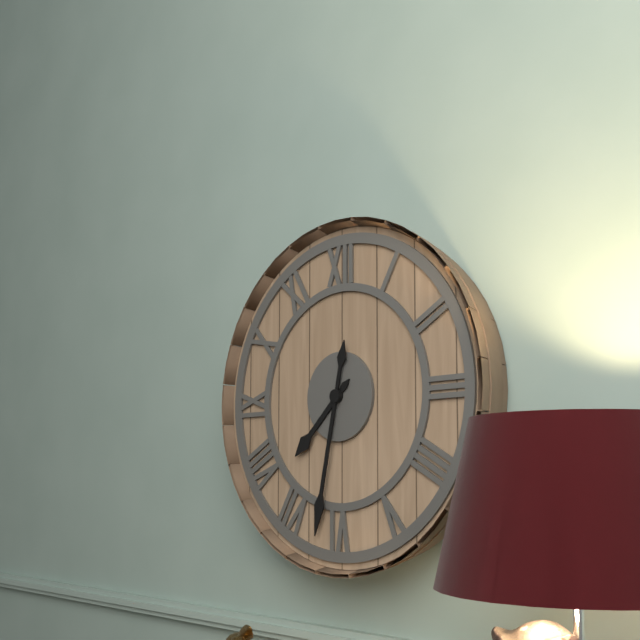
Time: {"hour": 7, "minute": 32}
